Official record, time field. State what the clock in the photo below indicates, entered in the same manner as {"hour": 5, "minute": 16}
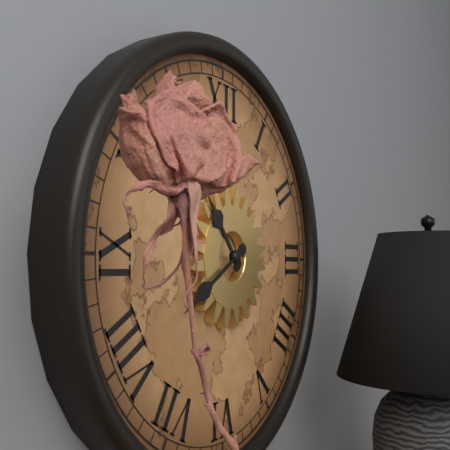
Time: {"hour": 10, "minute": 40}
